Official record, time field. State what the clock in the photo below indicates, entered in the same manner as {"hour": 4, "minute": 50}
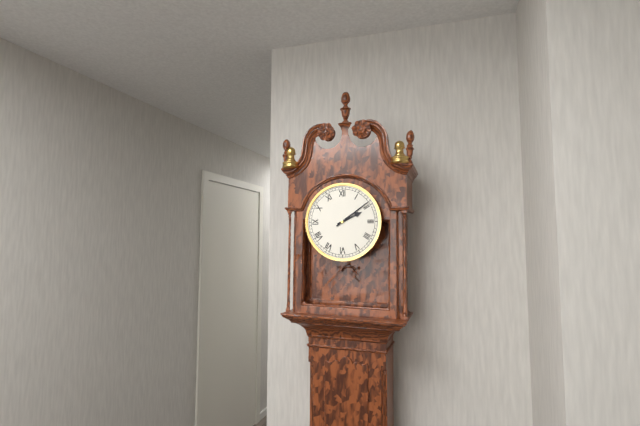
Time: {"hour": 2, "minute": 9}
